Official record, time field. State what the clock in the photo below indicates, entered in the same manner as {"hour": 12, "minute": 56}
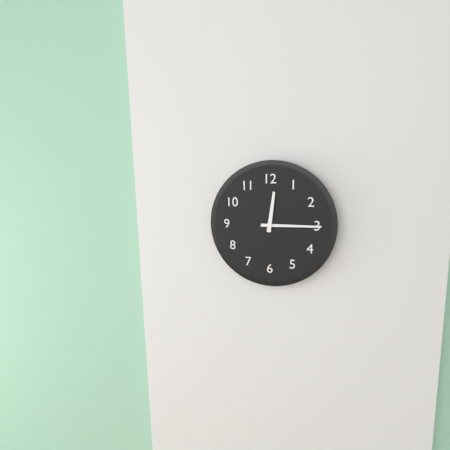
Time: {"hour": 12, "minute": 15}
